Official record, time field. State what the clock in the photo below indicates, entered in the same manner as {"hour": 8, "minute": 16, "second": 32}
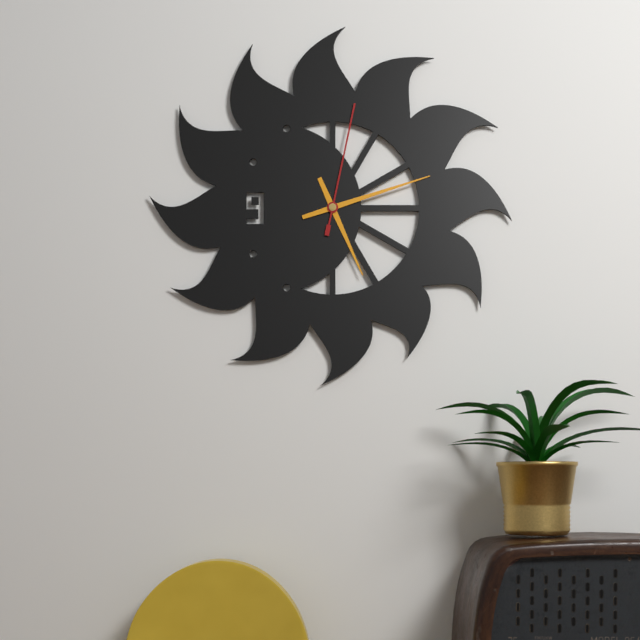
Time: {"hour": 5, "minute": 12, "second": 2}
